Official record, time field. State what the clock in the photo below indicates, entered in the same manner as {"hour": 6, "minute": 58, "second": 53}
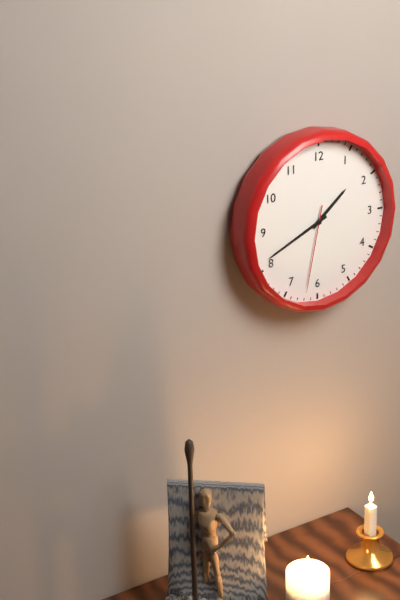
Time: {"hour": 1, "minute": 41, "second": 32}
